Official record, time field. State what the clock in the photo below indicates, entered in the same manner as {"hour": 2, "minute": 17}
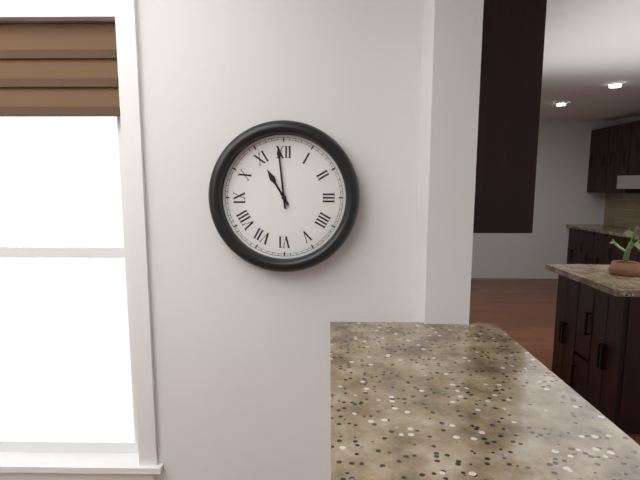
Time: {"hour": 10, "minute": 59}
